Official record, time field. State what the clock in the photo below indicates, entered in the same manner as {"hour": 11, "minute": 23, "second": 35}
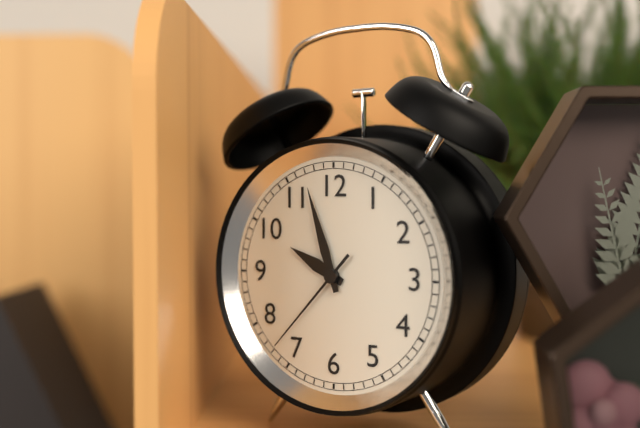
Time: {"hour": 9, "minute": 57, "second": 37}
